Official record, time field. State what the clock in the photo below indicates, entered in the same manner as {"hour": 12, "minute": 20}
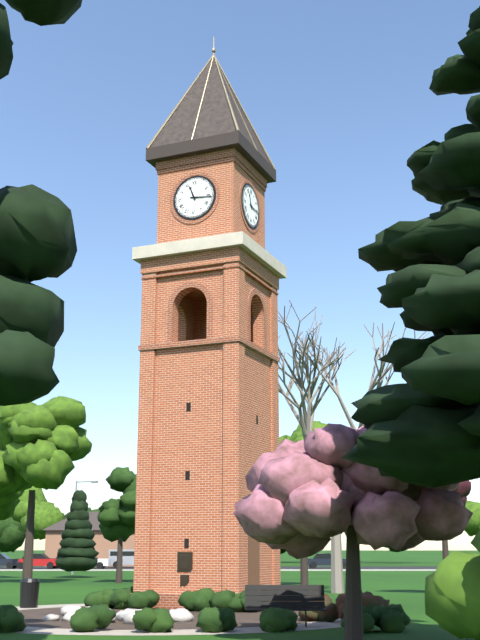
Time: {"hour": 11, "minute": 16}
